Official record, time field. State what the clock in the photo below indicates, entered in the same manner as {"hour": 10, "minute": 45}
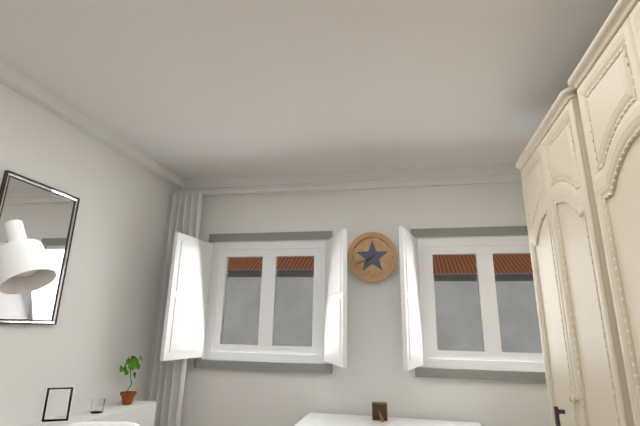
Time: {"hour": 7, "minute": 41}
